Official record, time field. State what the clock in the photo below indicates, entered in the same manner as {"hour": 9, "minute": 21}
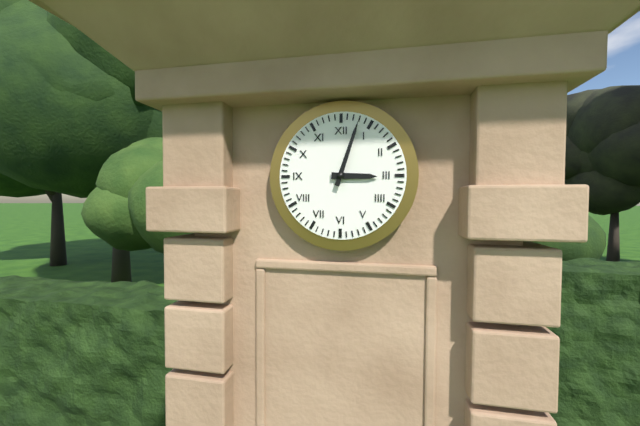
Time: {"hour": 3, "minute": 3}
